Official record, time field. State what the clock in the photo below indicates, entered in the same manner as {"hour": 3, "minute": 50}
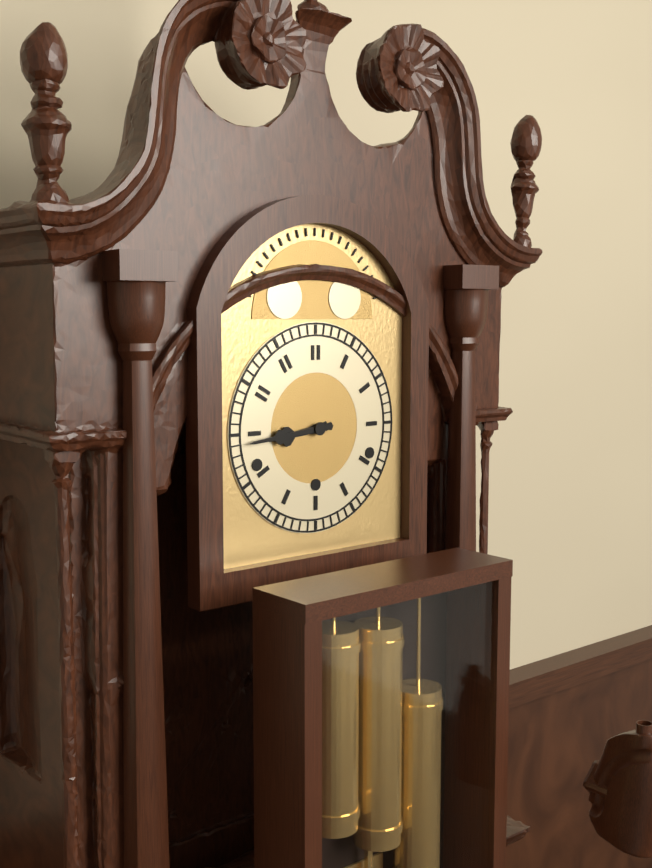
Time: {"hour": 8, "minute": 44}
